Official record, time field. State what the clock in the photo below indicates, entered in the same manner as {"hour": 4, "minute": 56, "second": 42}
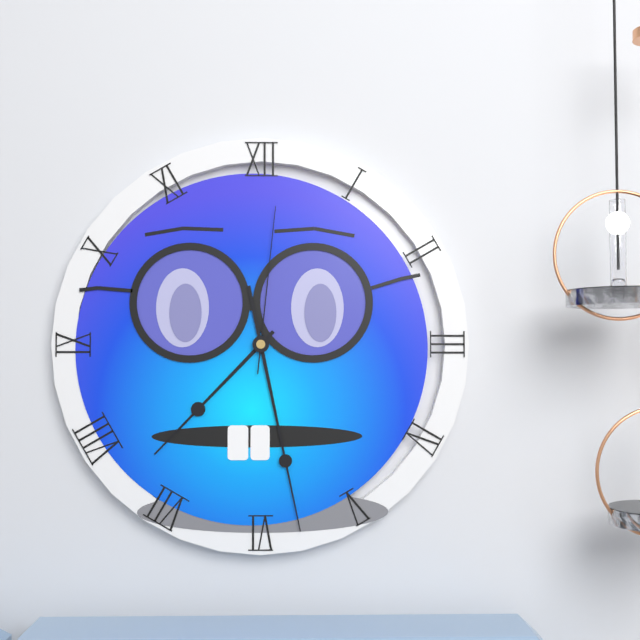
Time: {"hour": 7, "minute": 28, "second": 1}
